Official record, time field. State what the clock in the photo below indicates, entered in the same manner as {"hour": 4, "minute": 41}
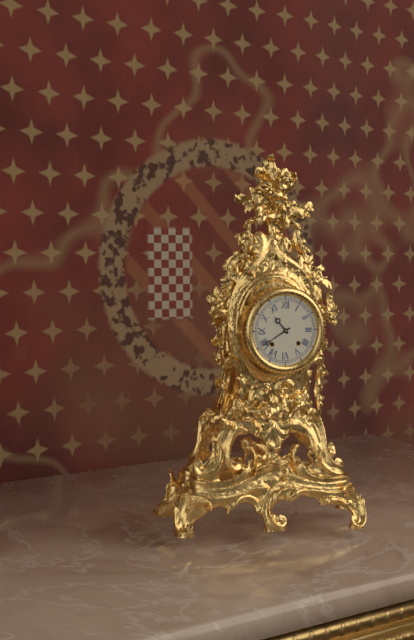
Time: {"hour": 10, "minute": 40}
